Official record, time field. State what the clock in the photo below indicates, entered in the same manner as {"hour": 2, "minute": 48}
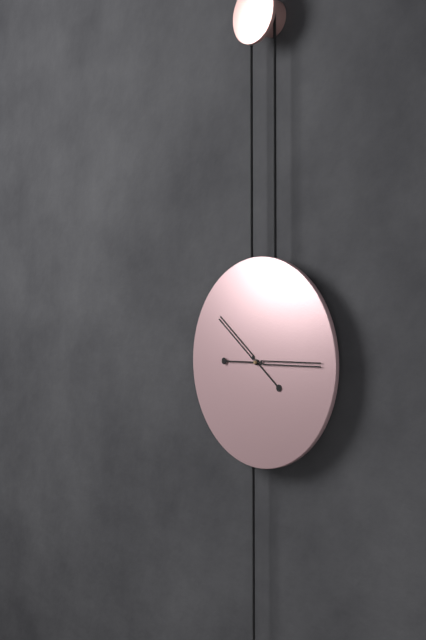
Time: {"hour": 10, "minute": 15}
